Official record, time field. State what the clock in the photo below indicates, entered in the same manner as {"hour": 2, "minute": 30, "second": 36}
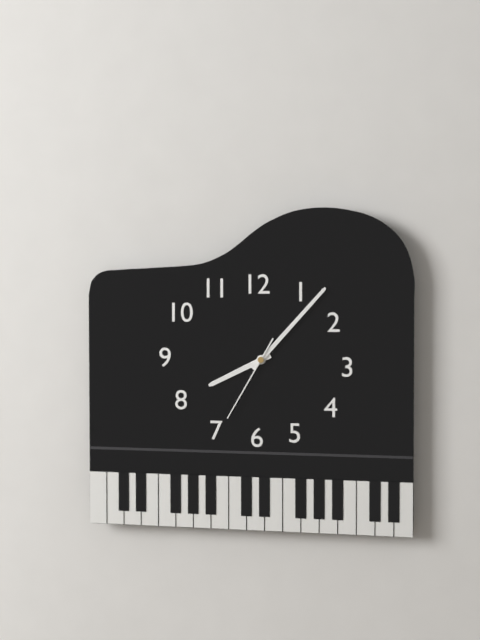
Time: {"hour": 8, "minute": 7, "second": 35}
